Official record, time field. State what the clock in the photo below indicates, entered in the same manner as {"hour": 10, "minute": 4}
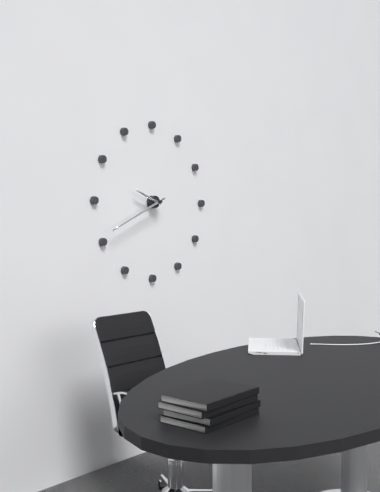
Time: {"hour": 9, "minute": 41}
